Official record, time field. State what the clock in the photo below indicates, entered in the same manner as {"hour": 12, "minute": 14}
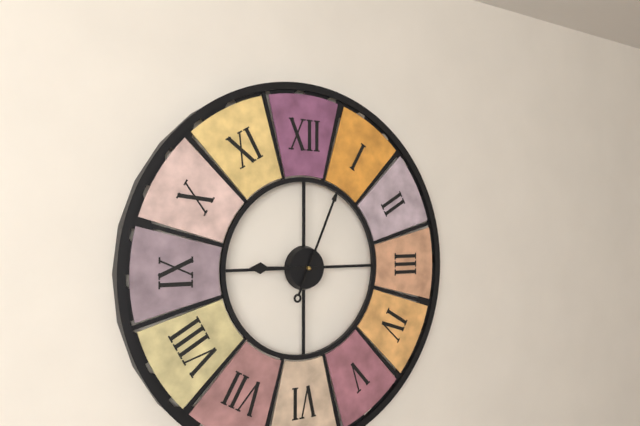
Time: {"hour": 9, "minute": 4}
